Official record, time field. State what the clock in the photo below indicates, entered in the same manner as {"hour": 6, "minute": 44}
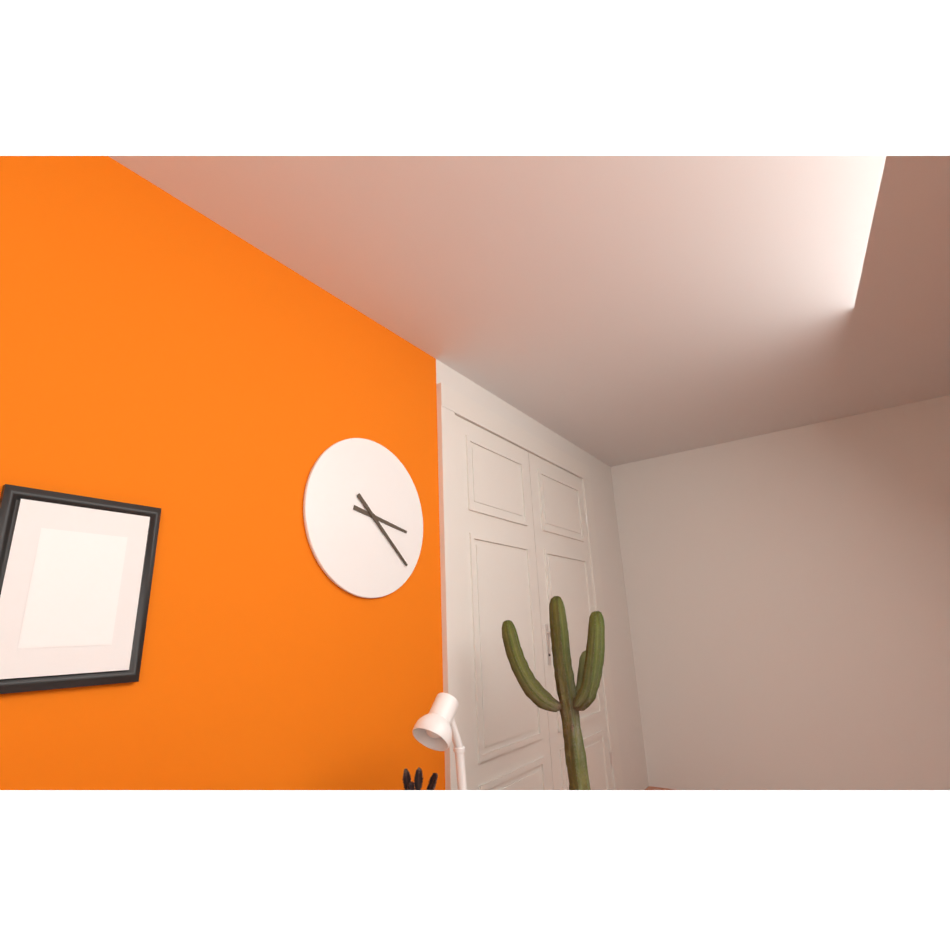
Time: {"hour": 3, "minute": 22}
